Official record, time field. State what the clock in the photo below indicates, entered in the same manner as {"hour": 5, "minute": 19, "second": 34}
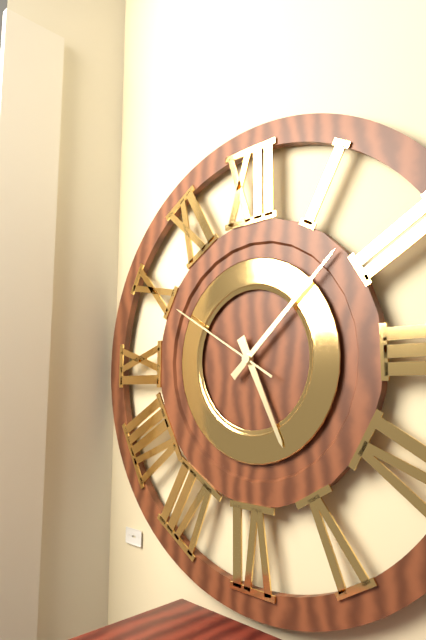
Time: {"hour": 5, "minute": 8, "second": 50}
